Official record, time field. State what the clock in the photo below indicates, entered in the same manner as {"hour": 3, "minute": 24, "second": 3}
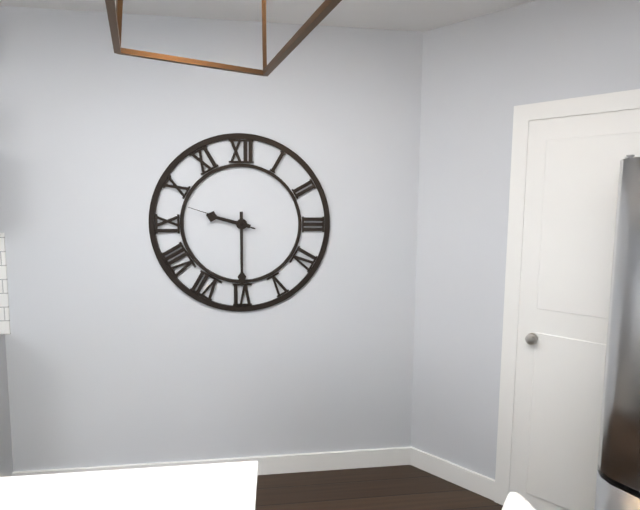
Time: {"hour": 9, "minute": 30, "second": 48}
